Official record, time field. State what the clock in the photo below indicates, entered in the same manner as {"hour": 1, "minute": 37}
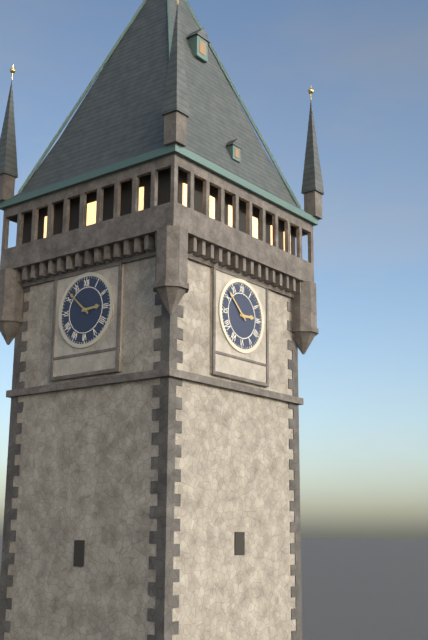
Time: {"hour": 2, "minute": 52}
